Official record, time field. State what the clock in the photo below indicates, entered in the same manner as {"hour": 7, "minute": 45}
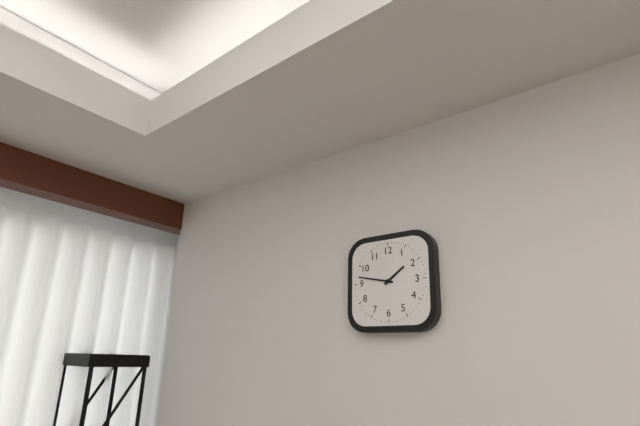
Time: {"hour": 1, "minute": 47}
